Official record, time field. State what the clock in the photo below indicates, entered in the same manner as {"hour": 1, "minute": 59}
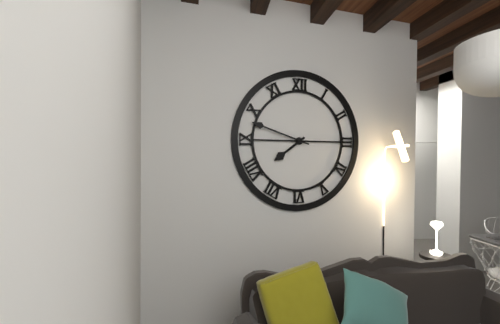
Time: {"hour": 7, "minute": 48}
